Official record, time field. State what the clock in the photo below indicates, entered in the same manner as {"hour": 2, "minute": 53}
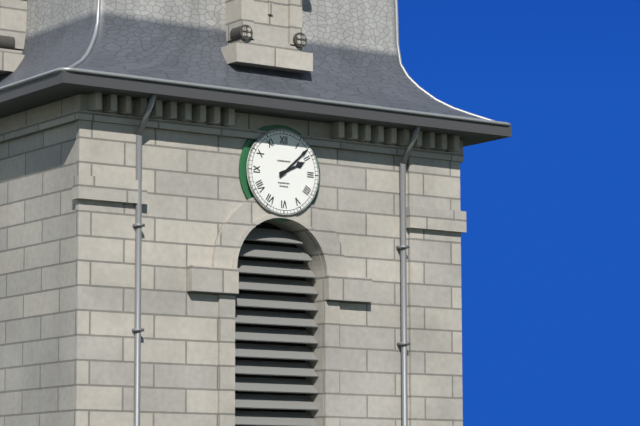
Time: {"hour": 2, "minute": 8}
